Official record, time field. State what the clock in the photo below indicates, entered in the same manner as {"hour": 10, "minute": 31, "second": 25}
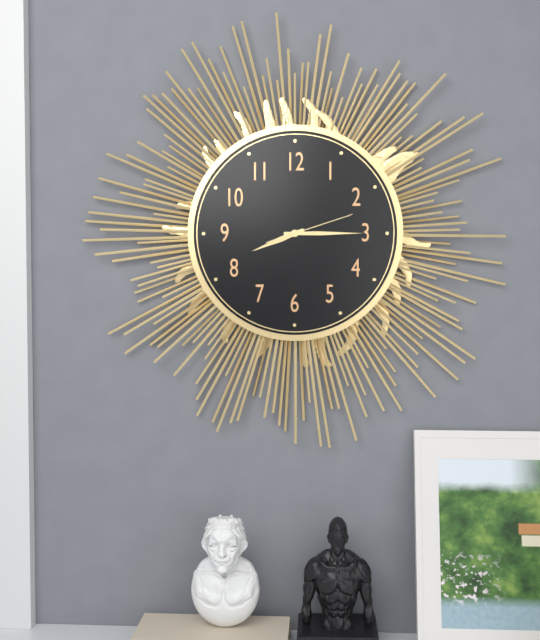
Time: {"hour": 8, "minute": 15, "second": 12}
